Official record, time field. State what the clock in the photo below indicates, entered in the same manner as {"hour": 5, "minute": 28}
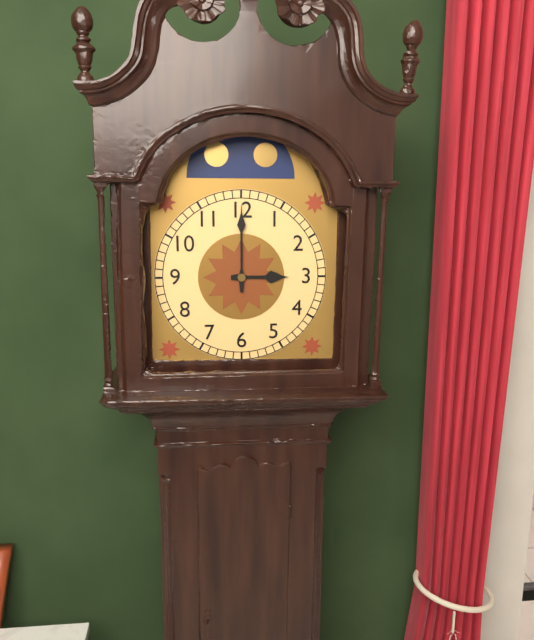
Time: {"hour": 3, "minute": 0}
